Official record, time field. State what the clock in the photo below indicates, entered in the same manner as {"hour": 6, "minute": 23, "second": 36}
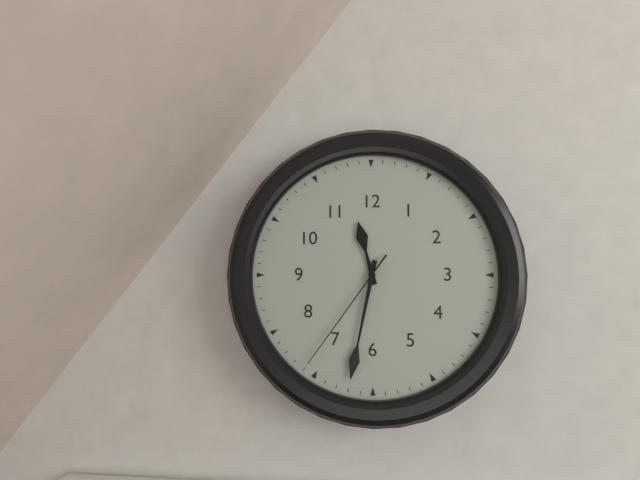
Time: {"hour": 11, "minute": 32, "second": 36}
